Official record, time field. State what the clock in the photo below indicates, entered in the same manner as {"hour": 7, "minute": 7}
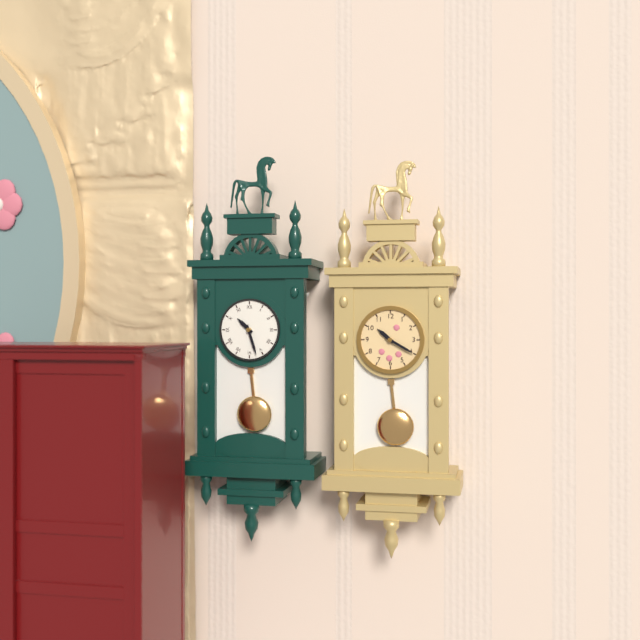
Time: {"hour": 10, "minute": 27}
